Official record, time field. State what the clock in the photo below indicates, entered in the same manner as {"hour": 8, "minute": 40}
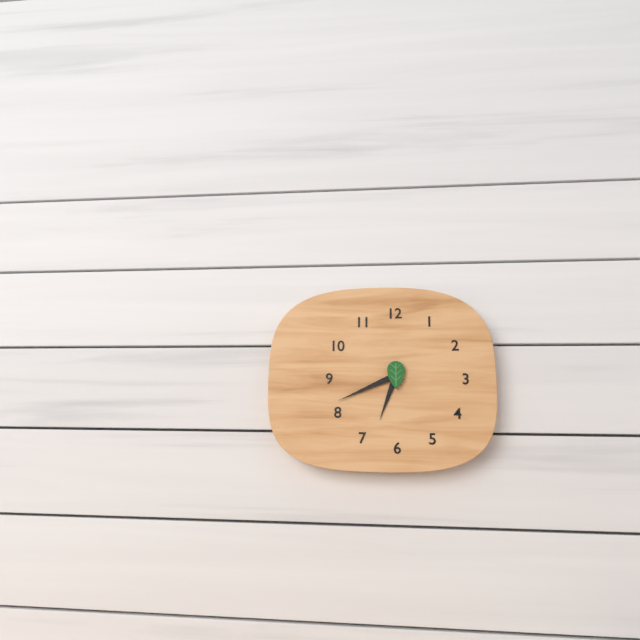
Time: {"hour": 6, "minute": 41}
